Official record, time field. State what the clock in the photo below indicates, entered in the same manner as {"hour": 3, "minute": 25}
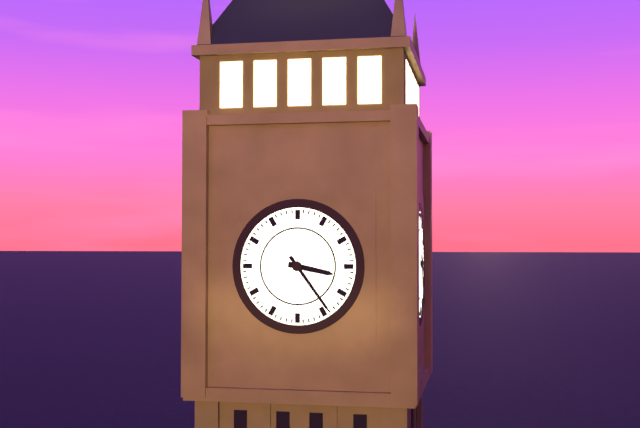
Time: {"hour": 3, "minute": 24}
